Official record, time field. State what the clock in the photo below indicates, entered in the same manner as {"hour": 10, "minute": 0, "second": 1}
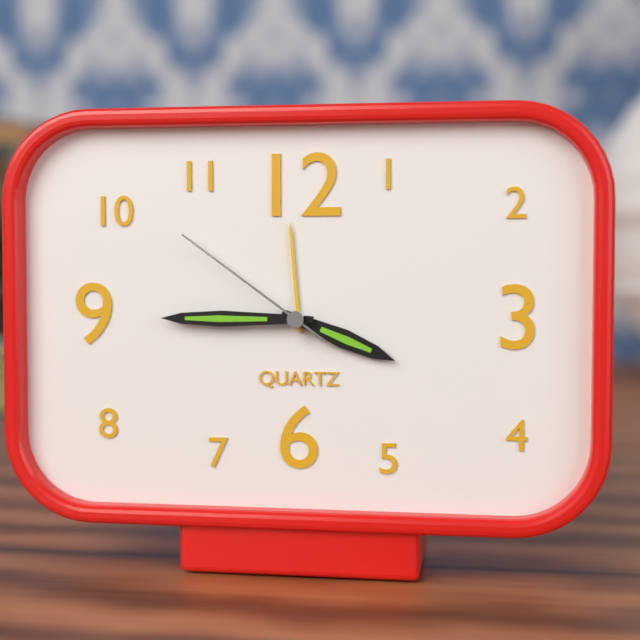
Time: {"hour": 3, "minute": 45, "second": 51}
